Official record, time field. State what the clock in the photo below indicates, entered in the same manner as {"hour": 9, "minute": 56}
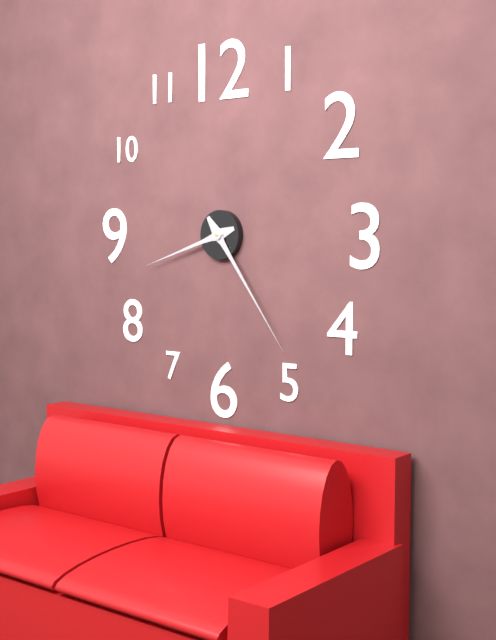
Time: {"hour": 8, "minute": 24}
